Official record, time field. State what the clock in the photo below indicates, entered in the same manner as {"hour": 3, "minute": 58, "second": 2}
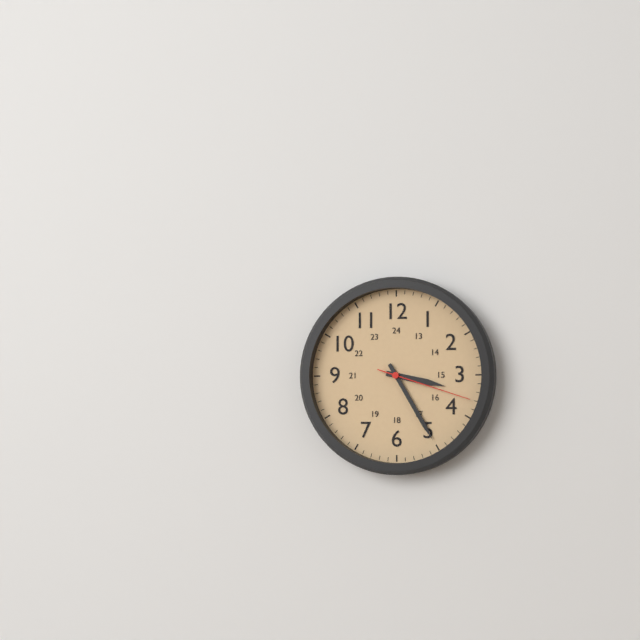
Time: {"hour": 3, "minute": 25, "second": 18}
